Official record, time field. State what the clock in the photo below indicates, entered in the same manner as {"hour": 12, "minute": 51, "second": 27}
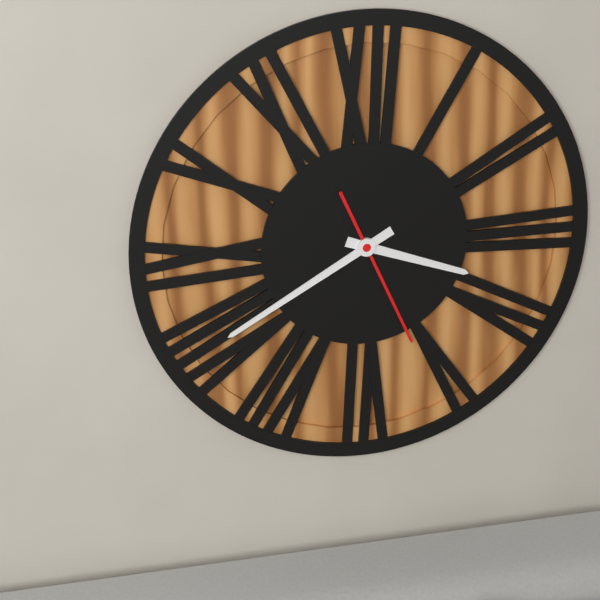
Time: {"hour": 3, "minute": 40, "second": 26}
